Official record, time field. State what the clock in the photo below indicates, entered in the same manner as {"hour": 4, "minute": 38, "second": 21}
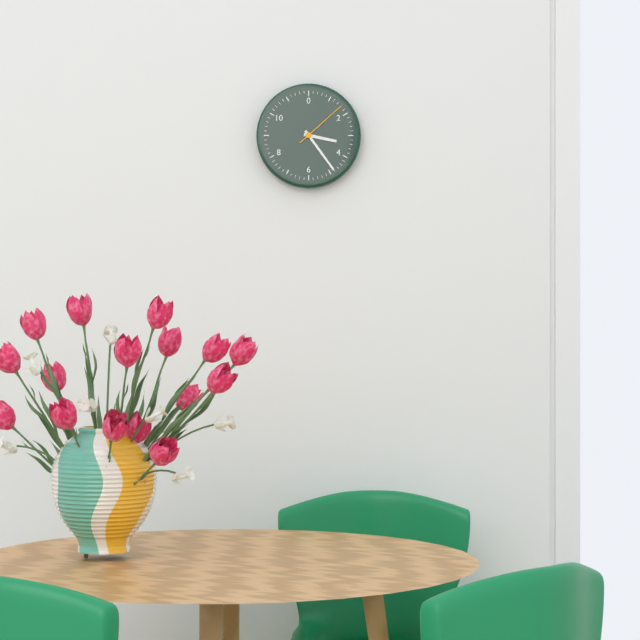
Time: {"hour": 3, "minute": 24, "second": 8}
